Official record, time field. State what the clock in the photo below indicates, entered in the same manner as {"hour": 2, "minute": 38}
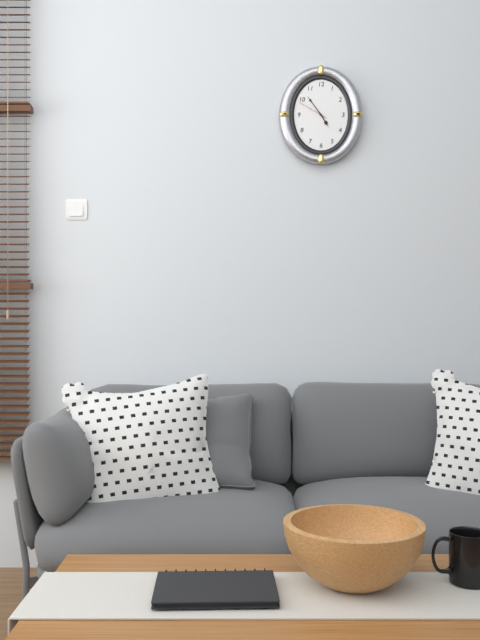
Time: {"hour": 4, "minute": 54}
